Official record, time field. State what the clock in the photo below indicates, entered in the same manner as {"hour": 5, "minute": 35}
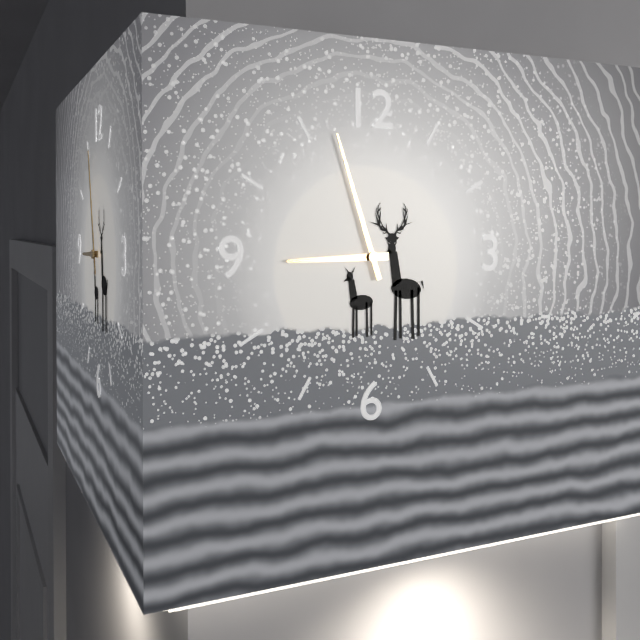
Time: {"hour": 8, "minute": 57}
